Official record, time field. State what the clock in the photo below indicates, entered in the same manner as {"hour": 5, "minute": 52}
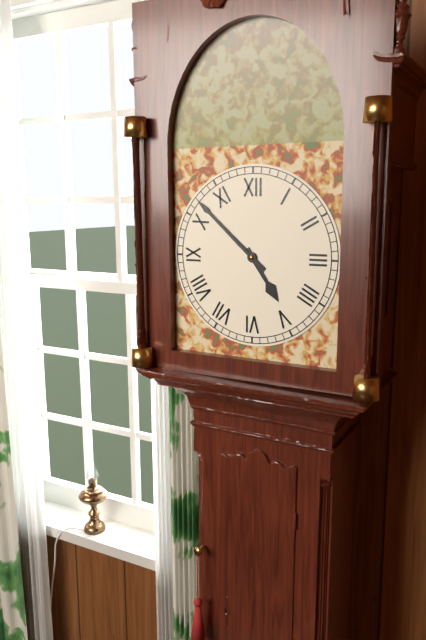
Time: {"hour": 4, "minute": 52}
